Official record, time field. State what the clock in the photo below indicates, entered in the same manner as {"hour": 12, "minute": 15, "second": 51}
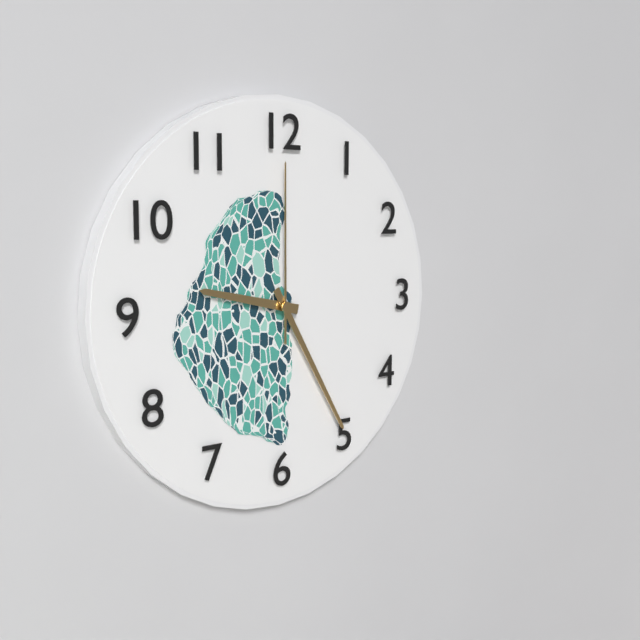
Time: {"hour": 9, "minute": 25, "second": 0}
